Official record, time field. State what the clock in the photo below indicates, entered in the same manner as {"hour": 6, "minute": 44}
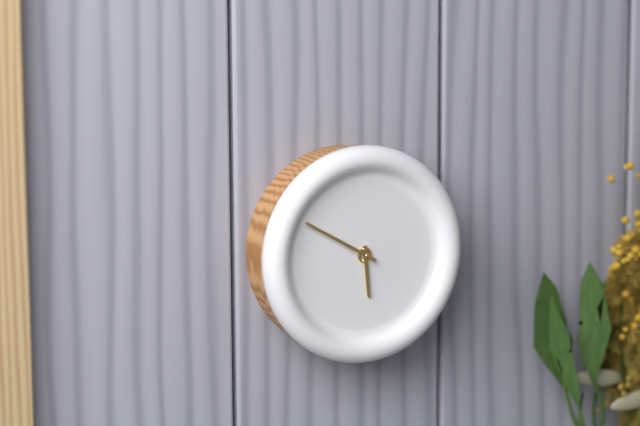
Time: {"hour": 5, "minute": 50}
